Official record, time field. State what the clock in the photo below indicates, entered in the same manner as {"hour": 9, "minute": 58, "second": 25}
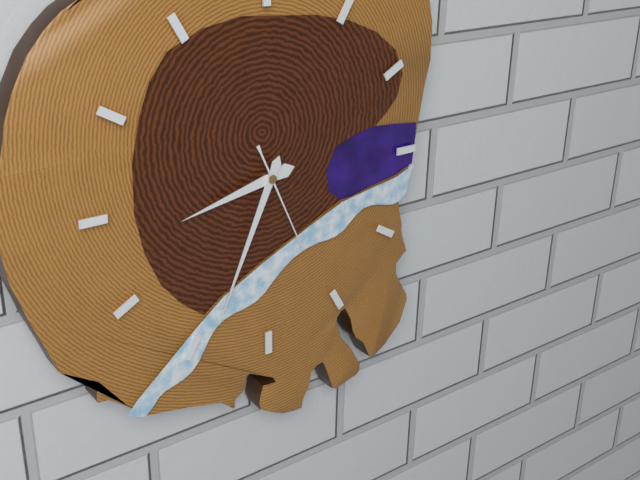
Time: {"hour": 8, "minute": 34, "second": 26}
